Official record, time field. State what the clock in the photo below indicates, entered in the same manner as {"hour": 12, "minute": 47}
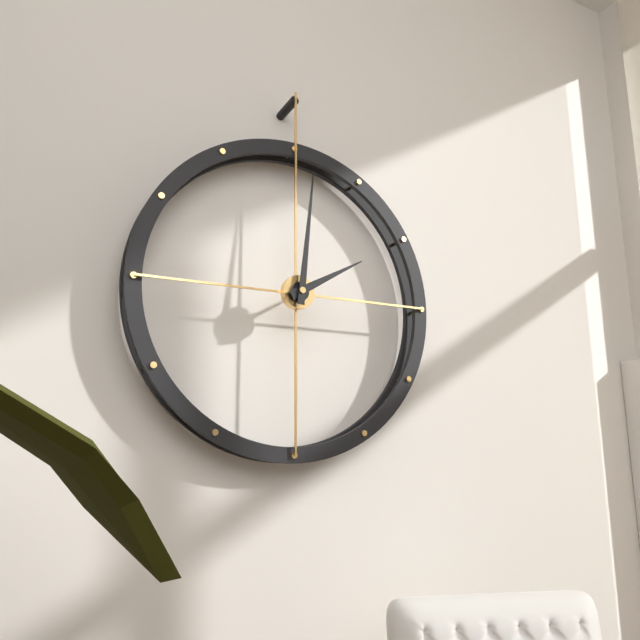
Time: {"hour": 2, "minute": 1}
